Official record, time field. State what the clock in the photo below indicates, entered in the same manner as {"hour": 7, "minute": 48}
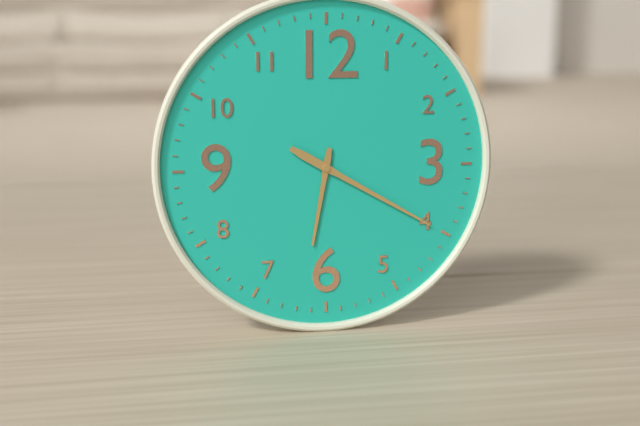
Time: {"hour": 6, "minute": 20}
